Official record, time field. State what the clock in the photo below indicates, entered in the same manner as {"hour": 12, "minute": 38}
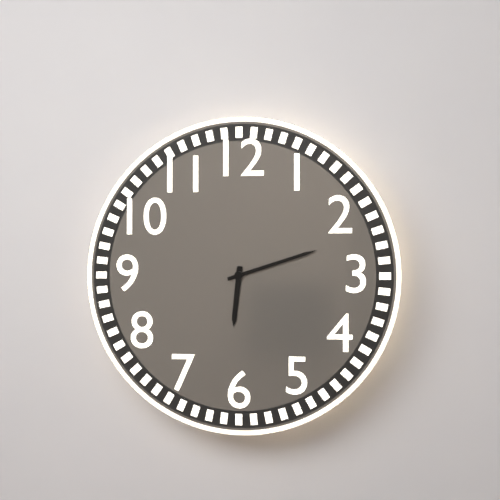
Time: {"hour": 6, "minute": 12}
